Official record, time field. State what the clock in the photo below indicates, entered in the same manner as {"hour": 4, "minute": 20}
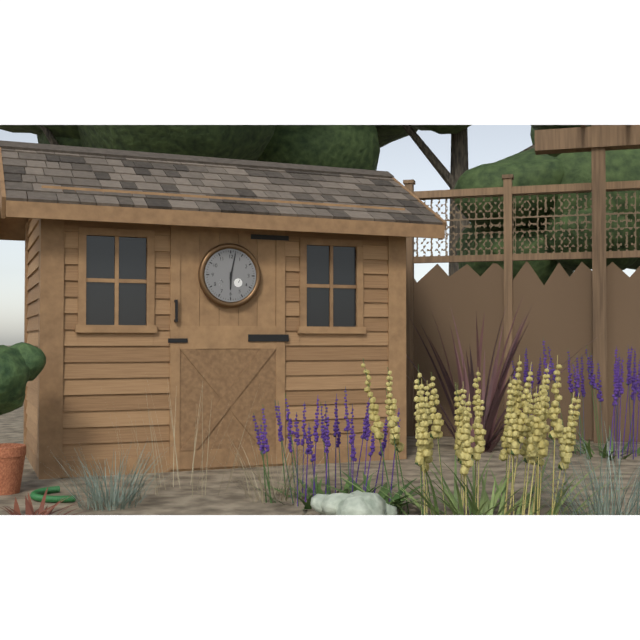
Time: {"hour": 6, "minute": 2}
